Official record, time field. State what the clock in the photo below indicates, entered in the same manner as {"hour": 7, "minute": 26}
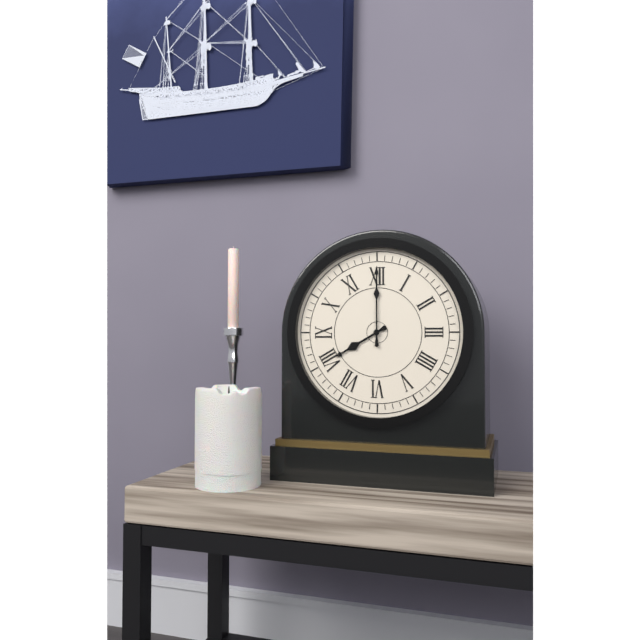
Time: {"hour": 8, "minute": 0}
